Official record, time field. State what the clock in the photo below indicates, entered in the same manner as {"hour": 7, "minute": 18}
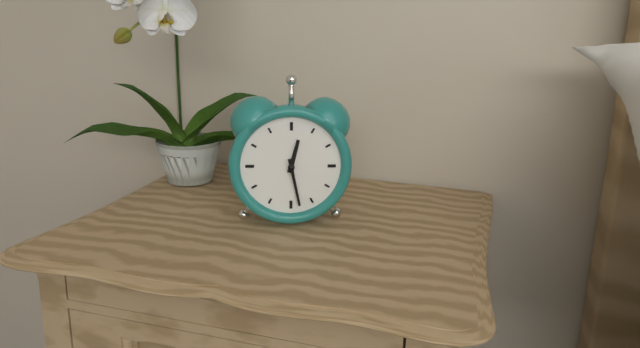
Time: {"hour": 12, "minute": 28}
